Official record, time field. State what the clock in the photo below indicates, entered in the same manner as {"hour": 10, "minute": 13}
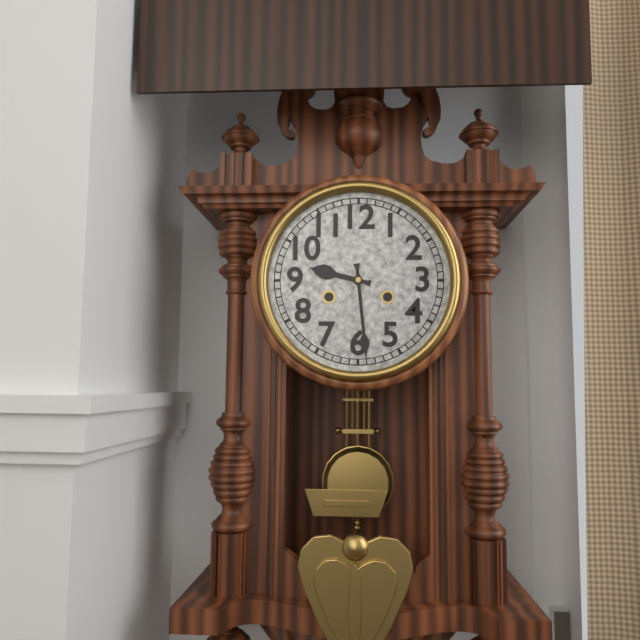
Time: {"hour": 9, "minute": 29}
